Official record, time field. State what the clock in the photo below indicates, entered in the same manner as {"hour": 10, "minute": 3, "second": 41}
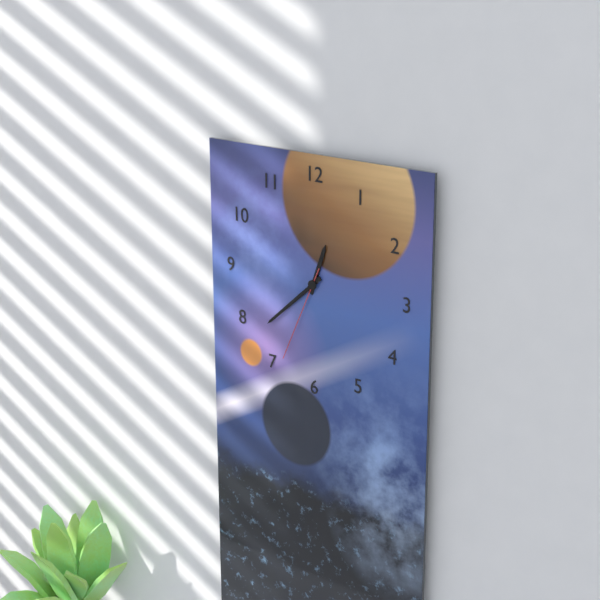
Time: {"hour": 12, "minute": 38, "second": 34}
